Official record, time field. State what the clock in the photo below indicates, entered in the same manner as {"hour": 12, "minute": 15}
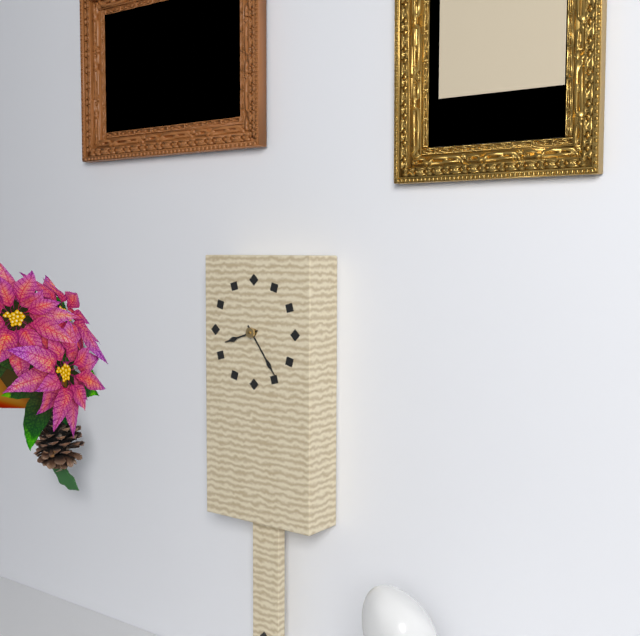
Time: {"hour": 8, "minute": 24}
